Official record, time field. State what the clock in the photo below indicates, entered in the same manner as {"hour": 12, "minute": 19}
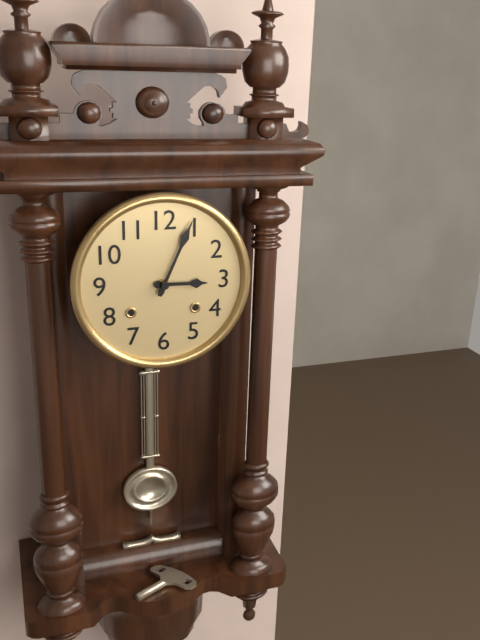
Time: {"hour": 3, "minute": 4}
